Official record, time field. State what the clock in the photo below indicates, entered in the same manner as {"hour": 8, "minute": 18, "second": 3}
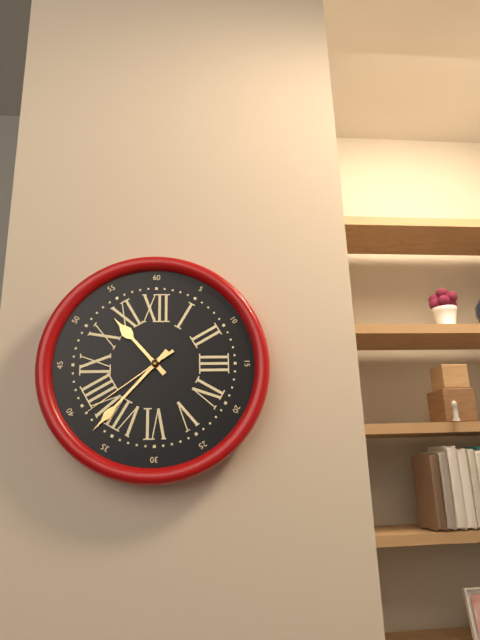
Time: {"hour": 10, "minute": 37, "second": 39}
